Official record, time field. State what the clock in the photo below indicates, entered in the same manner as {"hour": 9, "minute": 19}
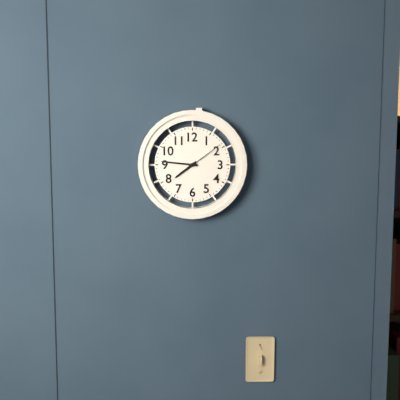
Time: {"hour": 7, "minute": 46}
